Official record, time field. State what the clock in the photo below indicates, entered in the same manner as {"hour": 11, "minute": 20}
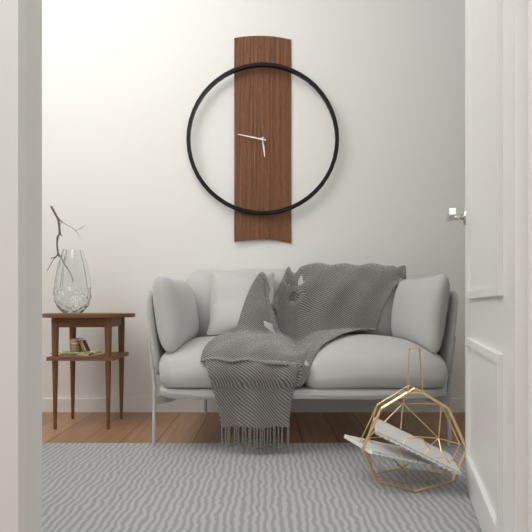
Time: {"hour": 5, "minute": 47}
